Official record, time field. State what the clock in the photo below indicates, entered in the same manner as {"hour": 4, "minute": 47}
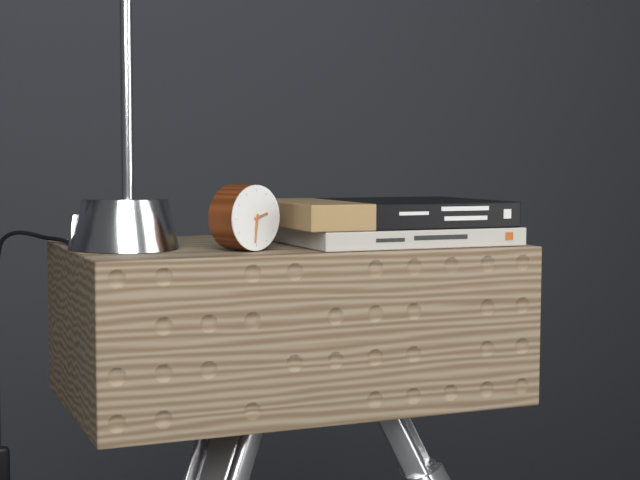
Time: {"hour": 2, "minute": 31}
